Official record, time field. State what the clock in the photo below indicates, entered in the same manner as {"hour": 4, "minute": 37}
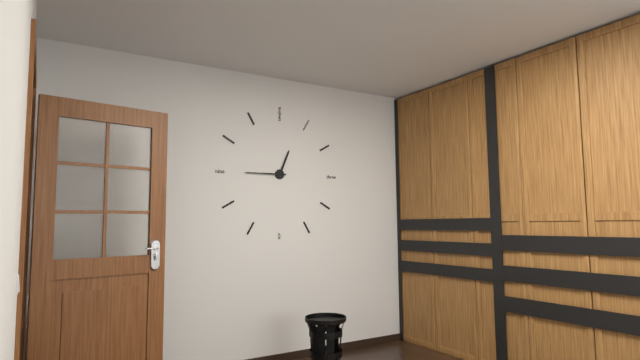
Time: {"hour": 12, "minute": 45}
